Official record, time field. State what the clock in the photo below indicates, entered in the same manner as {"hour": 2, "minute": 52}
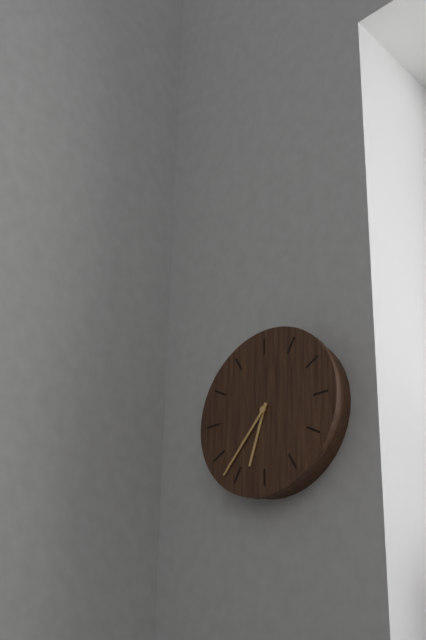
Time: {"hour": 6, "minute": 37}
